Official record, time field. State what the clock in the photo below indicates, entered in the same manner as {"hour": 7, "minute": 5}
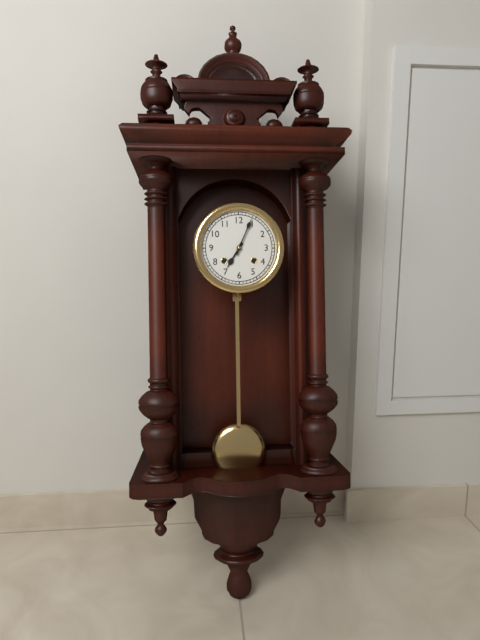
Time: {"hour": 7, "minute": 4}
